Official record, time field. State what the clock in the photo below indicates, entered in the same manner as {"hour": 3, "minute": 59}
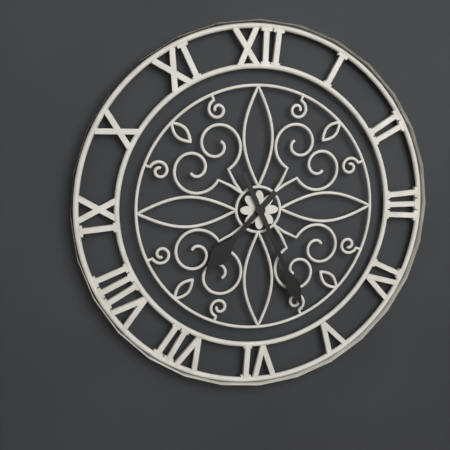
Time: {"hour": 7, "minute": 26}
